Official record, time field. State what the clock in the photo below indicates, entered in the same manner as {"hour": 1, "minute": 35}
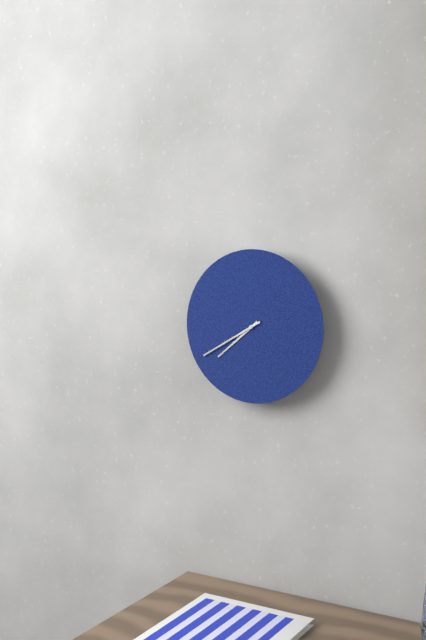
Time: {"hour": 7, "minute": 40}
